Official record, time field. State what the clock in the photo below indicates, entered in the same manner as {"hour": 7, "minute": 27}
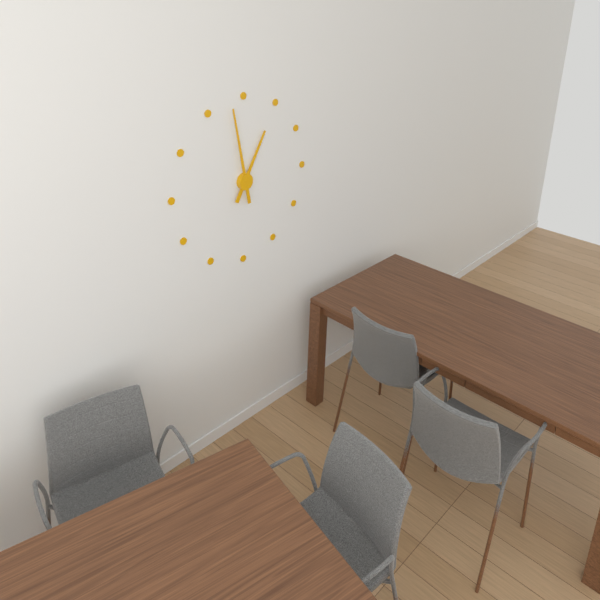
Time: {"hour": 12, "minute": 58}
